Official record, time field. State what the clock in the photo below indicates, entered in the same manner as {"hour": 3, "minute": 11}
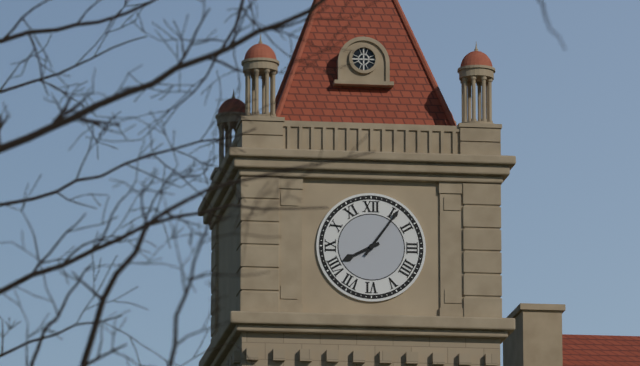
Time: {"hour": 8, "minute": 6}
